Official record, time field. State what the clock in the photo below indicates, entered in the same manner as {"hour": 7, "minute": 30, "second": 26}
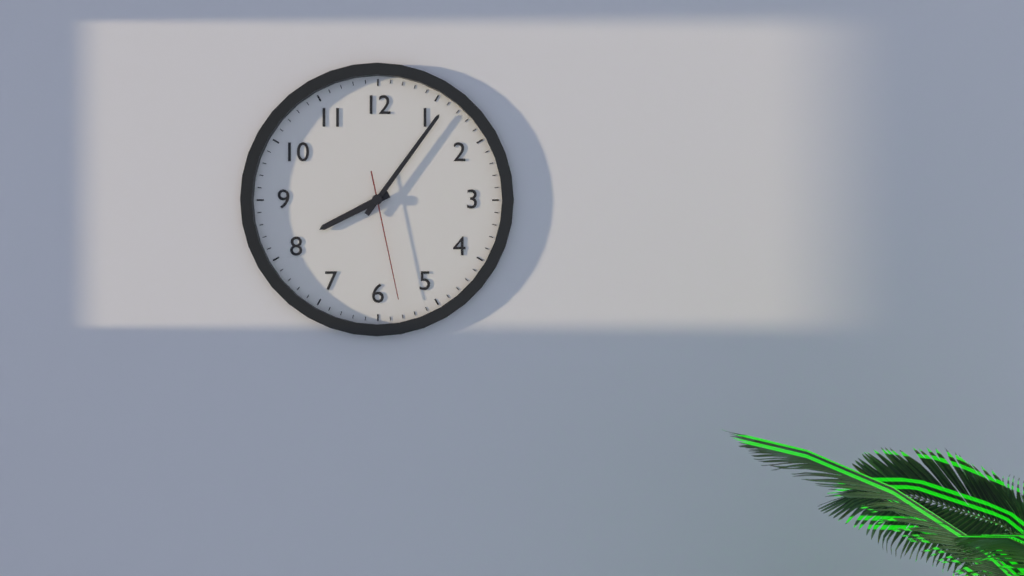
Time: {"hour": 8, "minute": 6, "second": 28}
